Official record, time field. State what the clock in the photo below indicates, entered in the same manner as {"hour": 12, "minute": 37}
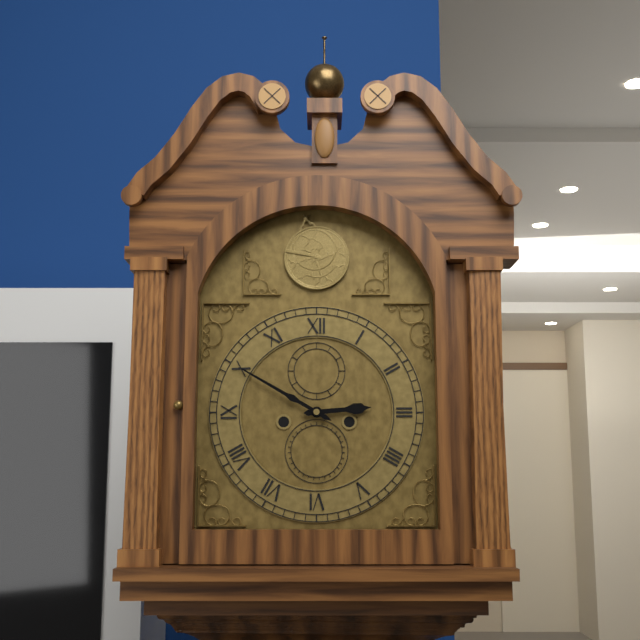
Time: {"hour": 2, "minute": 50}
